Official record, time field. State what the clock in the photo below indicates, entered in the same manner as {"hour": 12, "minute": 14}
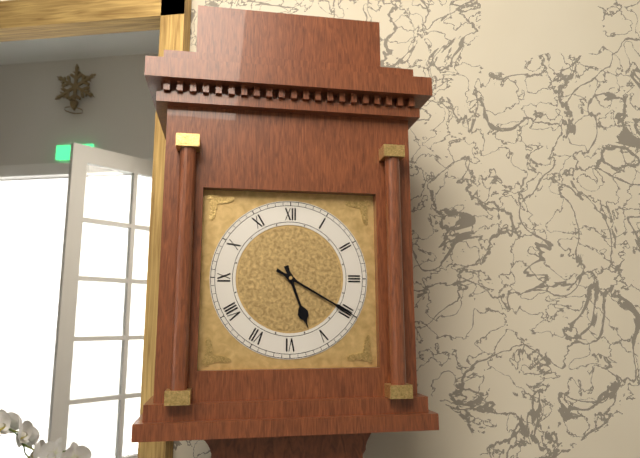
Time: {"hour": 5, "minute": 20}
